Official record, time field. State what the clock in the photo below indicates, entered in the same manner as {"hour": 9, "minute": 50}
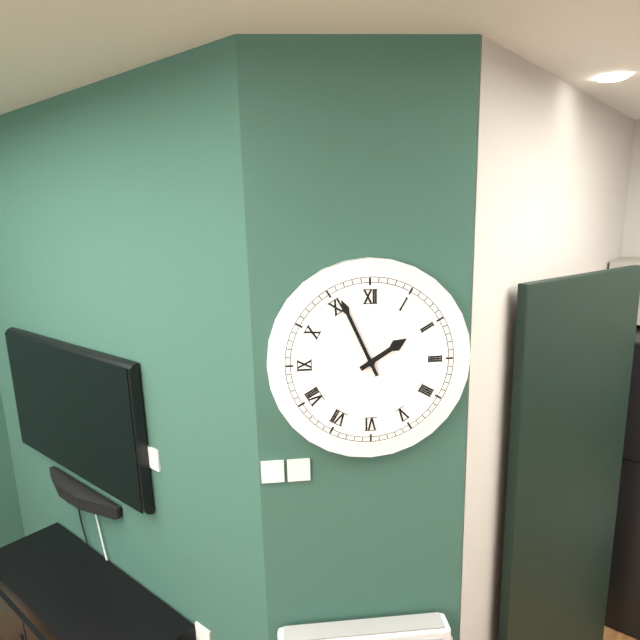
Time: {"hour": 1, "minute": 56}
